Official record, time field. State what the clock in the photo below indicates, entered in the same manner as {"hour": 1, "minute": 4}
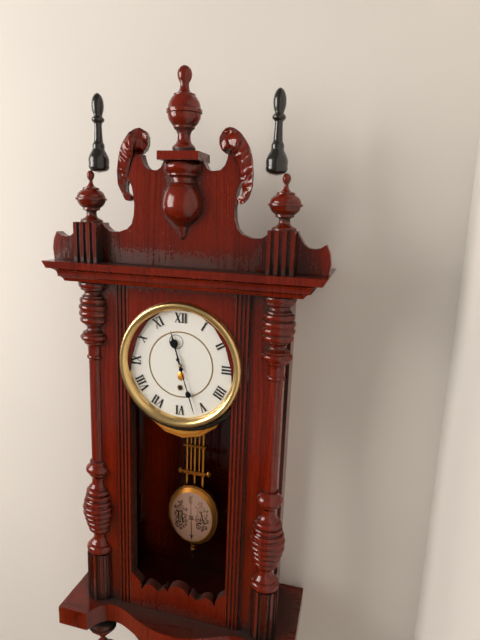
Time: {"hour": 11, "minute": 27}
